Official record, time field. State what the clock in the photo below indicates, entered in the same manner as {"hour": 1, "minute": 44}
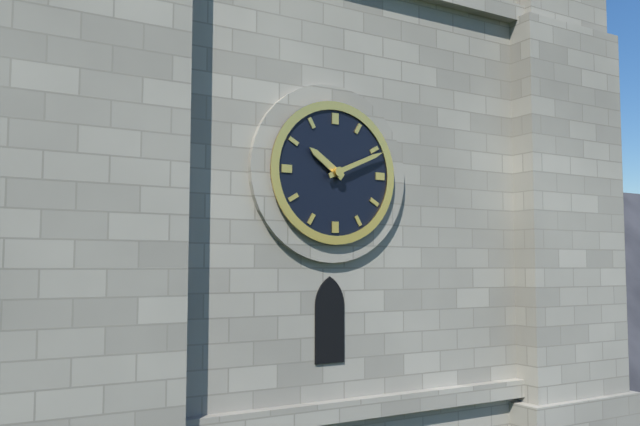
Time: {"hour": 10, "minute": 11}
